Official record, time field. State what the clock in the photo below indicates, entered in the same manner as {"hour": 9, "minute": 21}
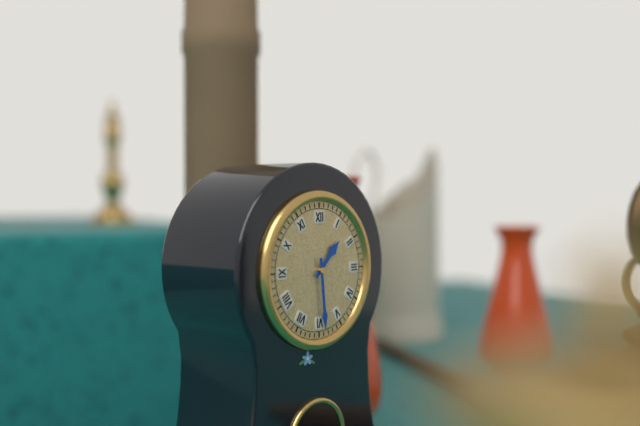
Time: {"hour": 1, "minute": 29}
